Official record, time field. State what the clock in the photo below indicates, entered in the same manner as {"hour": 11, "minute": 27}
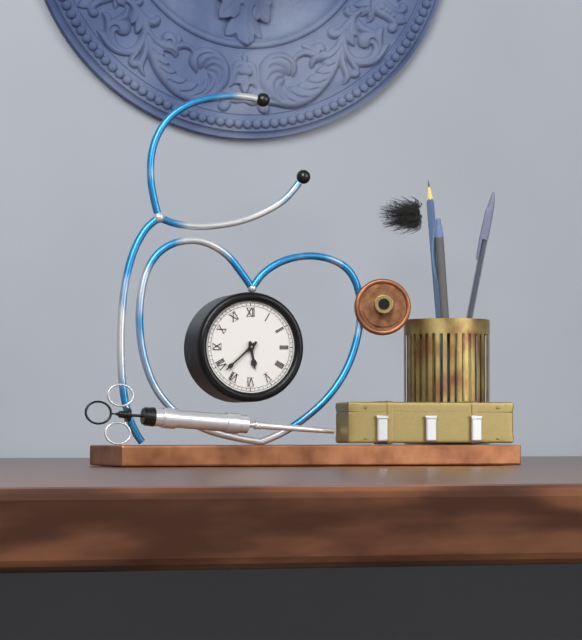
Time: {"hour": 5, "minute": 38}
